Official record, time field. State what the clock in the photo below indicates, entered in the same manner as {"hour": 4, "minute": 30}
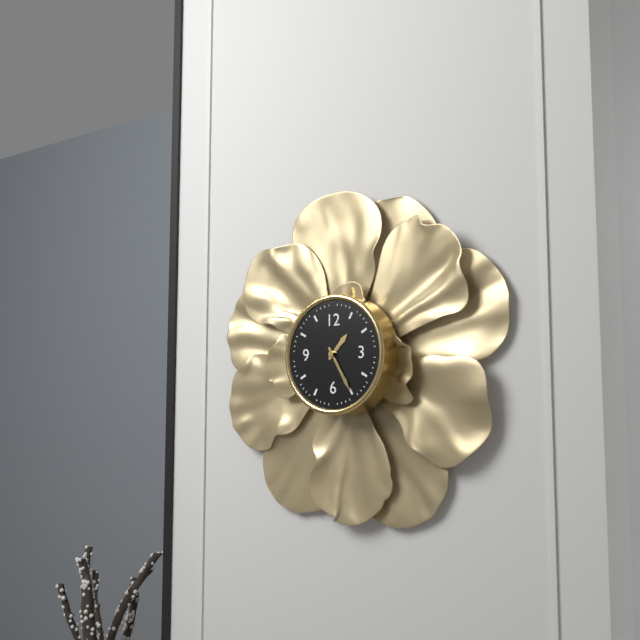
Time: {"hour": 1, "minute": 25}
